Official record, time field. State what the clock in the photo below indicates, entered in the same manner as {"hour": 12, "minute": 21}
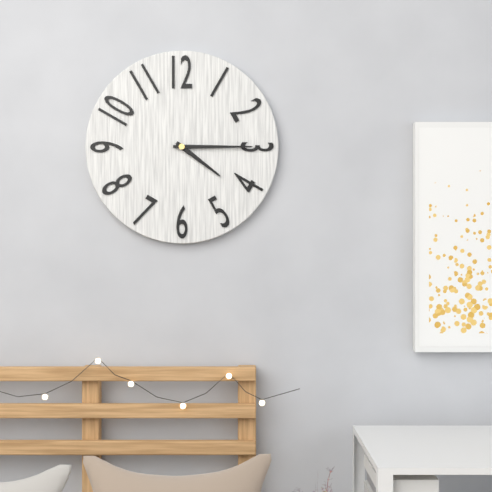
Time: {"hour": 4, "minute": 15}
